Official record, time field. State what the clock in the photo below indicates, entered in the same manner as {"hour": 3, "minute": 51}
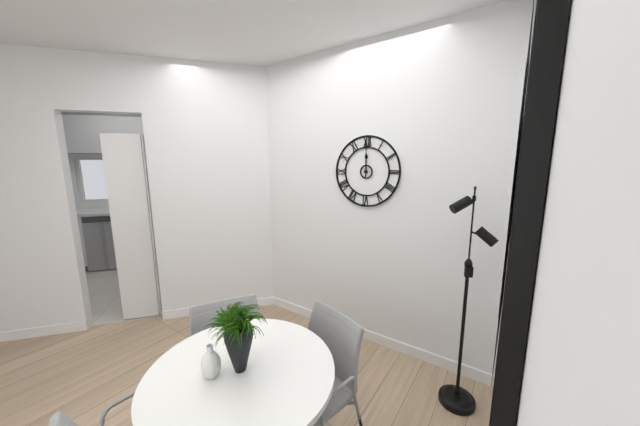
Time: {"hour": 12, "minute": 0}
